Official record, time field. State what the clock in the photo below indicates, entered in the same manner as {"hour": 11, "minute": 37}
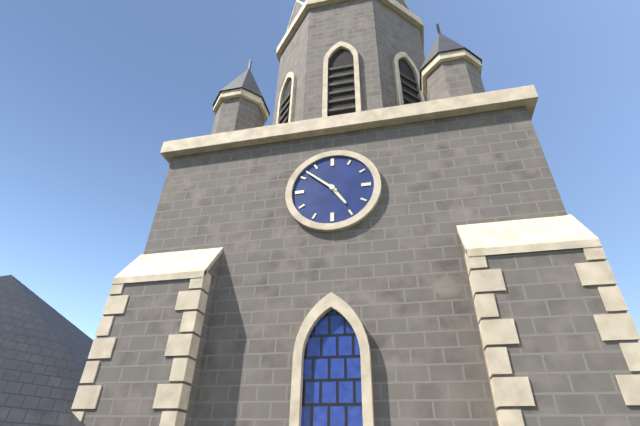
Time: {"hour": 4, "minute": 52}
